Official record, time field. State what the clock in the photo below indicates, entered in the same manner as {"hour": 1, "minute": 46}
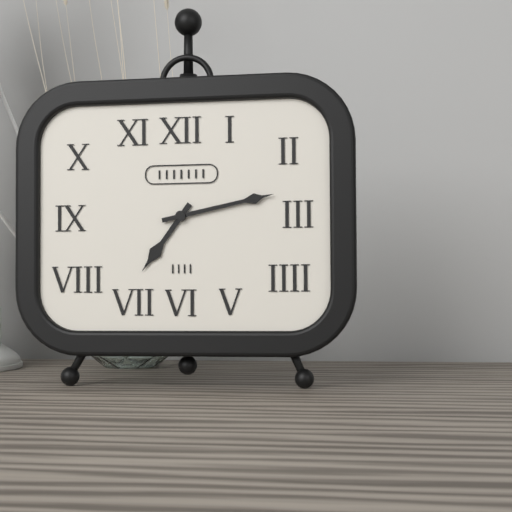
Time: {"hour": 7, "minute": 13}
